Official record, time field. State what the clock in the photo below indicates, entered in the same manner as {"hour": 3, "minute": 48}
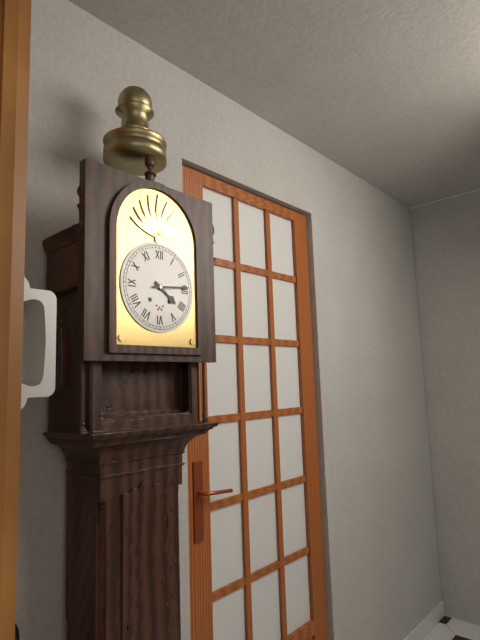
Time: {"hour": 4, "minute": 14}
